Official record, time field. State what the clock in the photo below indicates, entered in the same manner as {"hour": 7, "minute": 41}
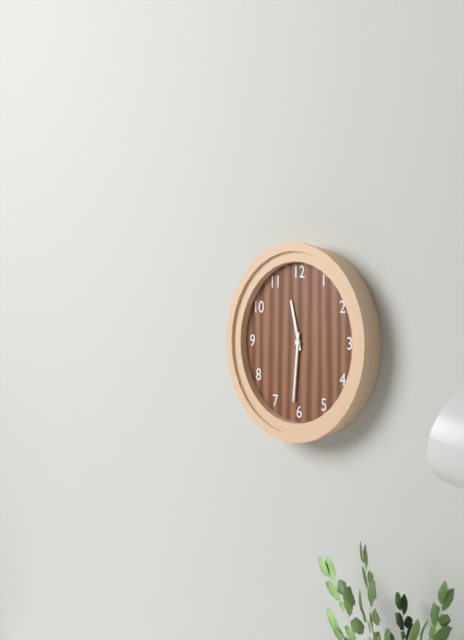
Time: {"hour": 11, "minute": 31}
